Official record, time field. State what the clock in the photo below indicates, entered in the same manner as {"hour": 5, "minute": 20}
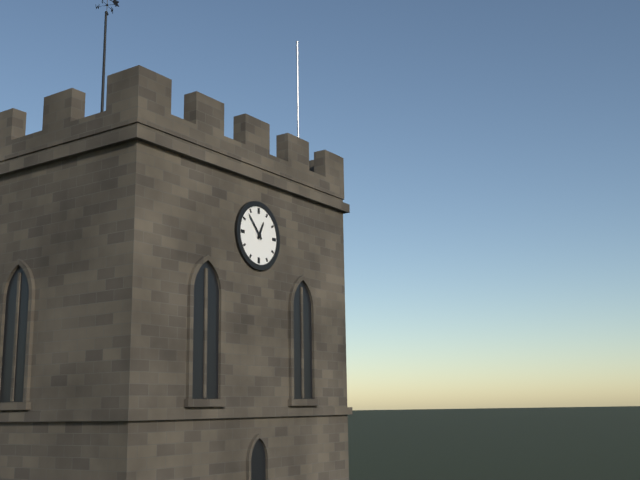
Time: {"hour": 12, "minute": 53}
